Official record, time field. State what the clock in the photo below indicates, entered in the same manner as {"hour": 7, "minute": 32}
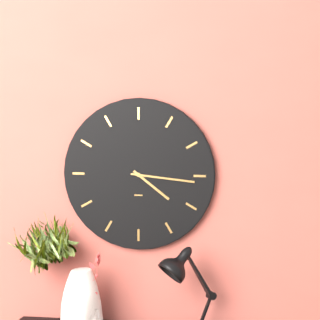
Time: {"hour": 4, "minute": 16}
